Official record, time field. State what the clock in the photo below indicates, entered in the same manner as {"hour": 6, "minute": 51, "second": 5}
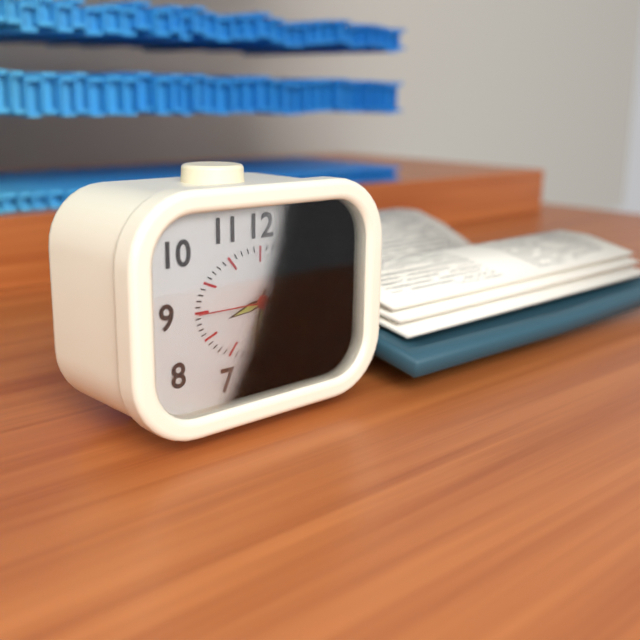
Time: {"hour": 8, "minute": 32, "second": 45}
